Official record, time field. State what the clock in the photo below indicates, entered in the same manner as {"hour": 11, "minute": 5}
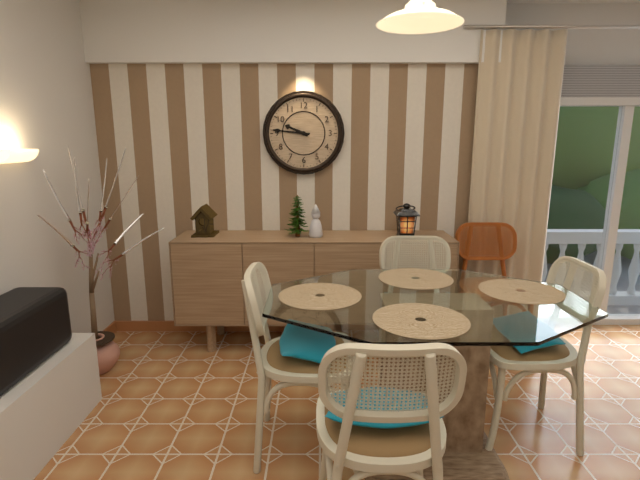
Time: {"hour": 9, "minute": 46}
